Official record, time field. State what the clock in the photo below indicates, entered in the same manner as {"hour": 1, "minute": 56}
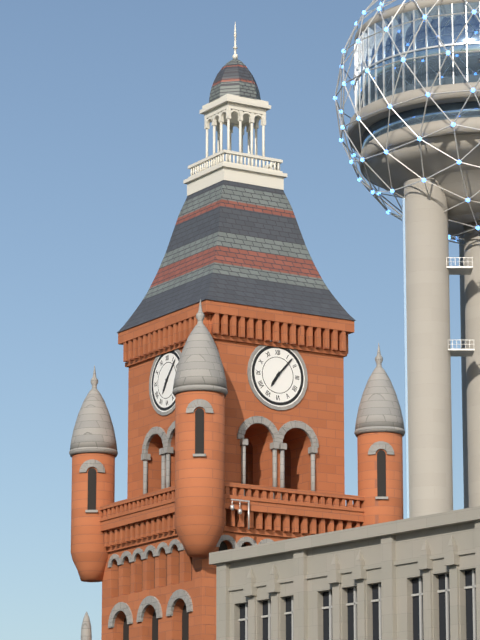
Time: {"hour": 7, "minute": 7}
